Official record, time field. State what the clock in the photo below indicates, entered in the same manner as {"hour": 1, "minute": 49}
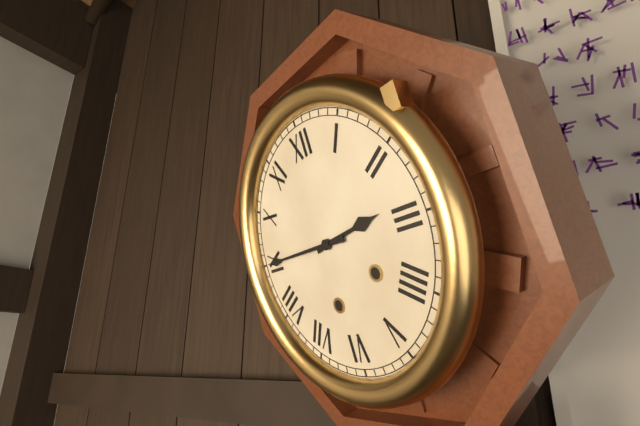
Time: {"hour": 2, "minute": 45}
